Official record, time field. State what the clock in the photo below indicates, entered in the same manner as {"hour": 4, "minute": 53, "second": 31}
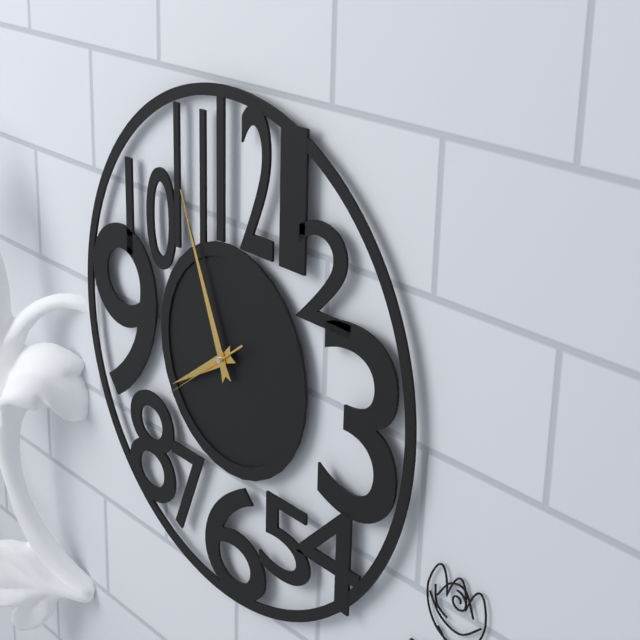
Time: {"hour": 7, "minute": 56, "second": 39}
